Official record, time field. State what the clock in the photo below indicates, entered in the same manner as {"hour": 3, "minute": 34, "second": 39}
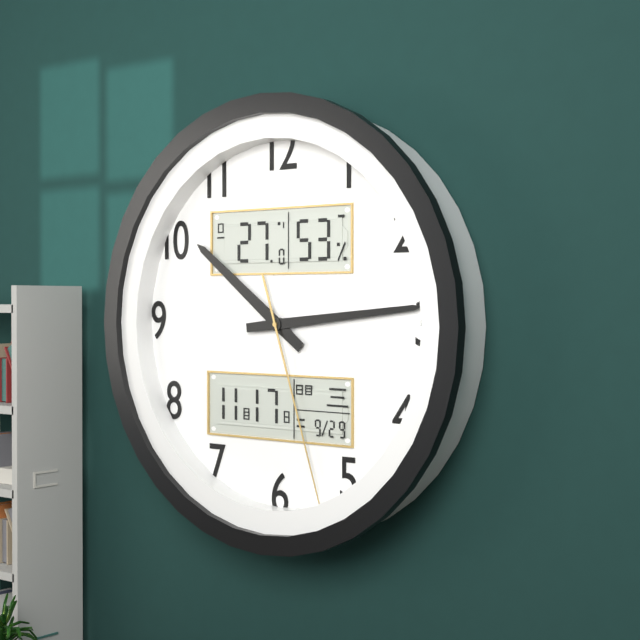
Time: {"hour": 10, "minute": 14, "second": 27}
